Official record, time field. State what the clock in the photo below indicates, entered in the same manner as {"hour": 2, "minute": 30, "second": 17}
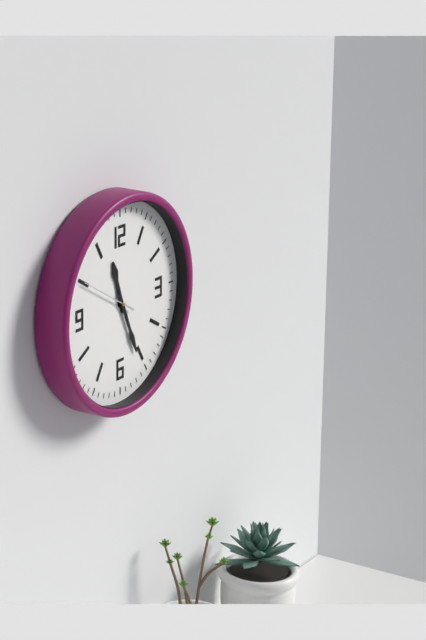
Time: {"hour": 11, "minute": 26, "second": 50}
